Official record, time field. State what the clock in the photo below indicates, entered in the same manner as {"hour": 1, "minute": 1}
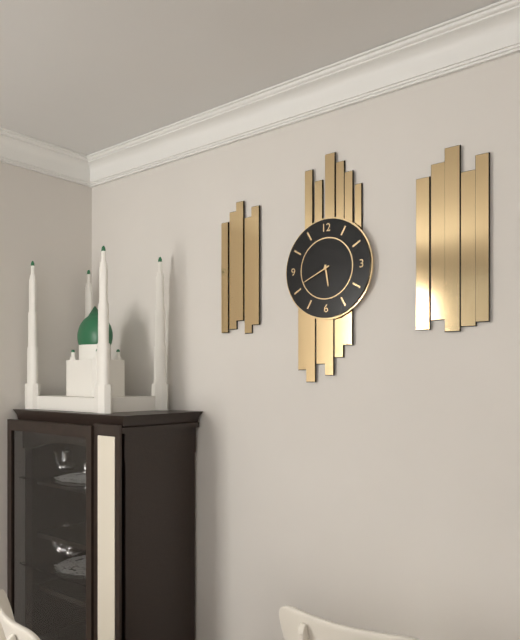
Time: {"hour": 5, "minute": 41}
